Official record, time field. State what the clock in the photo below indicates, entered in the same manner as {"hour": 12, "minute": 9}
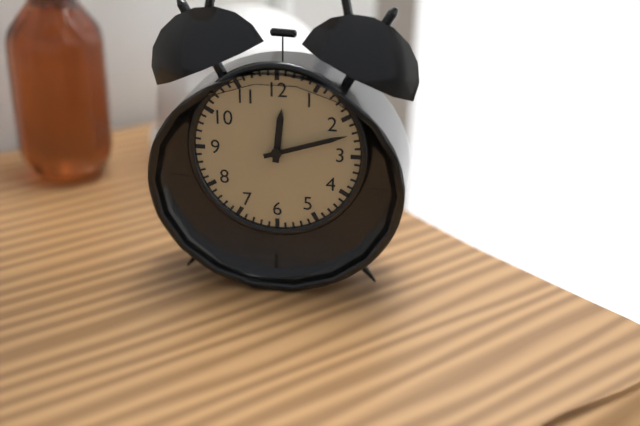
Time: {"hour": 12, "minute": 12}
